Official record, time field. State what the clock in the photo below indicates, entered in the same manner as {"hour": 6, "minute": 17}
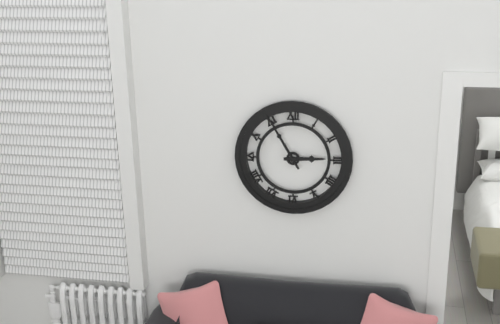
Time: {"hour": 2, "minute": 55}
